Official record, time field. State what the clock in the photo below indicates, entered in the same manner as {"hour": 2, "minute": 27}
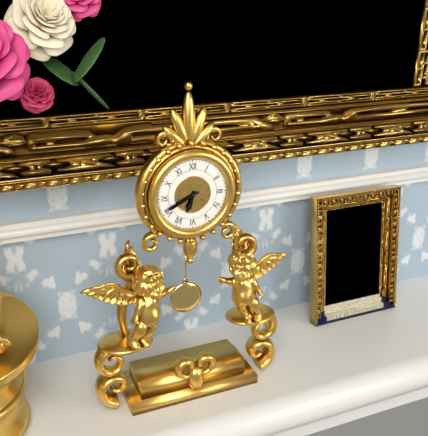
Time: {"hour": 6, "minute": 41}
